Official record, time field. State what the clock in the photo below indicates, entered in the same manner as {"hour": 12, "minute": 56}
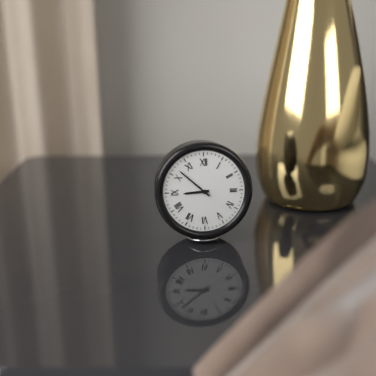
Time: {"hour": 8, "minute": 52}
